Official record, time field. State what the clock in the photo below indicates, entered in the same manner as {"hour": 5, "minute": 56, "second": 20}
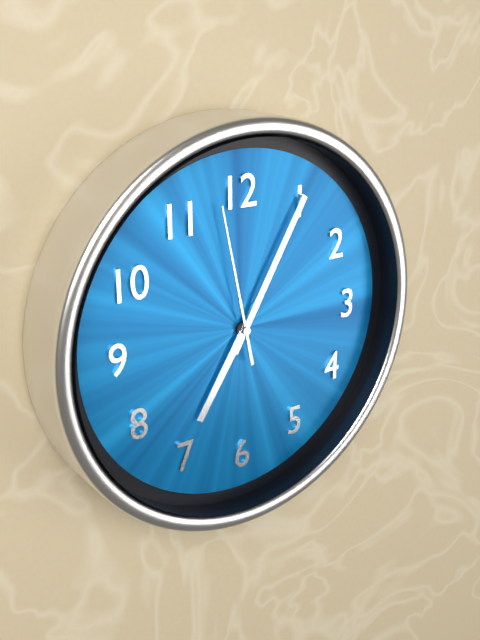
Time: {"hour": 7, "minute": 5, "second": 58}
